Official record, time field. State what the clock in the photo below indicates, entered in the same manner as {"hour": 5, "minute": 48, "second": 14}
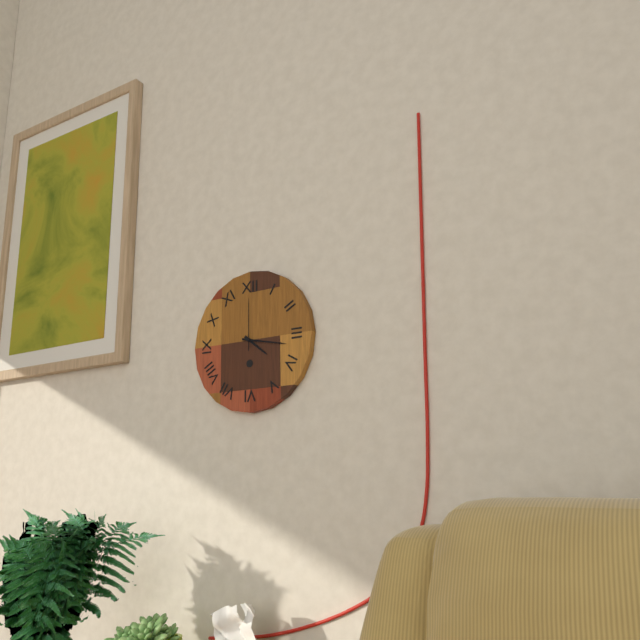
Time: {"hour": 4, "minute": 17, "second": 0}
